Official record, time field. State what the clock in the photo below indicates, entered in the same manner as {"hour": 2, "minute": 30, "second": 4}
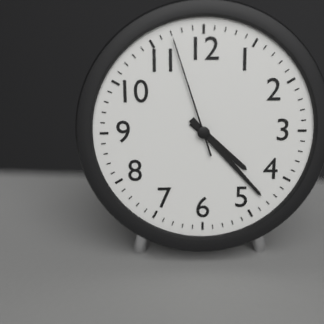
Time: {"hour": 4, "minute": 23, "second": 57}
